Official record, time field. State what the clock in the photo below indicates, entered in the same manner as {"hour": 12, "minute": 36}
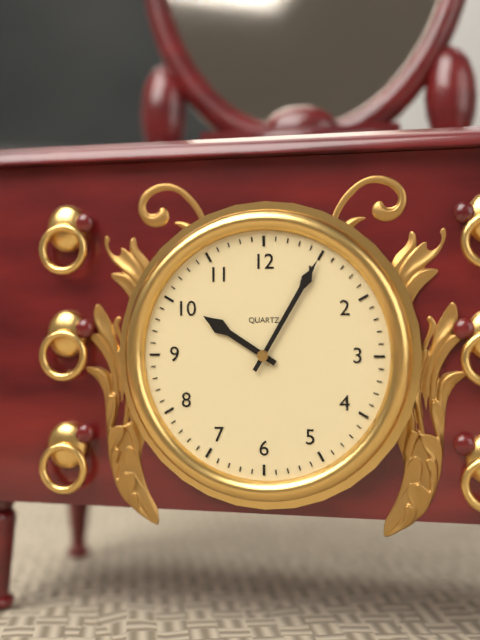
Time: {"hour": 10, "minute": 5}
